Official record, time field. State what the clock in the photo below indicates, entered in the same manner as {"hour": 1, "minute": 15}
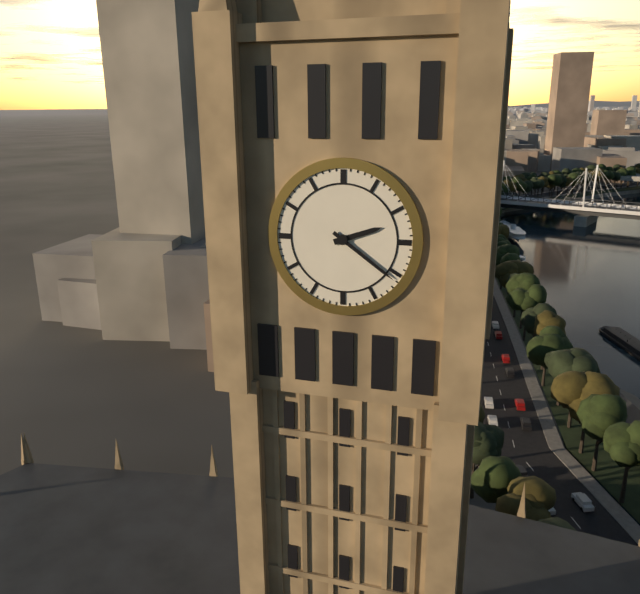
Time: {"hour": 2, "minute": 21}
